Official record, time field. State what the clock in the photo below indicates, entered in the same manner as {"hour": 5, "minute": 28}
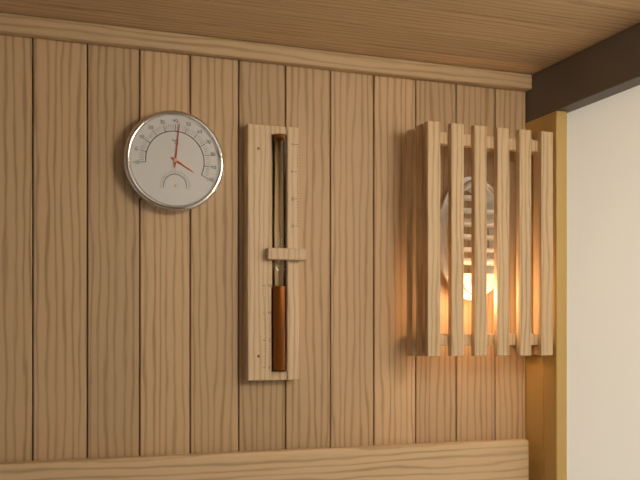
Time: {"hour": 4, "minute": 1}
